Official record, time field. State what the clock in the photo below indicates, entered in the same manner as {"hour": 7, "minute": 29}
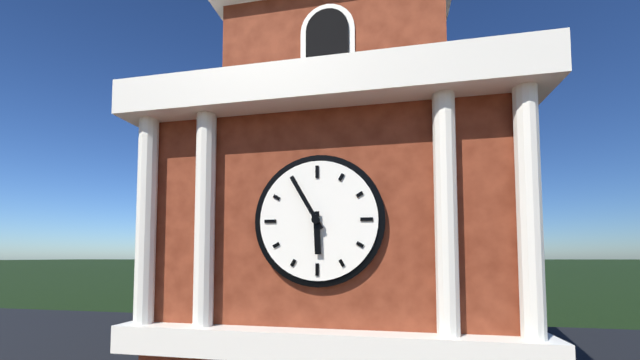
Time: {"hour": 5, "minute": 55}
